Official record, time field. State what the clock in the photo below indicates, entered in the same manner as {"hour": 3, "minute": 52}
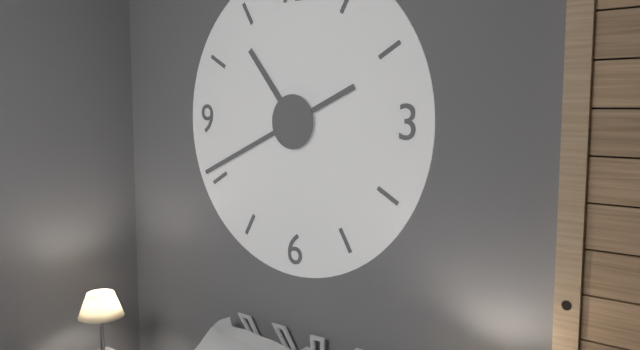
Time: {"hour": 10, "minute": 41}
